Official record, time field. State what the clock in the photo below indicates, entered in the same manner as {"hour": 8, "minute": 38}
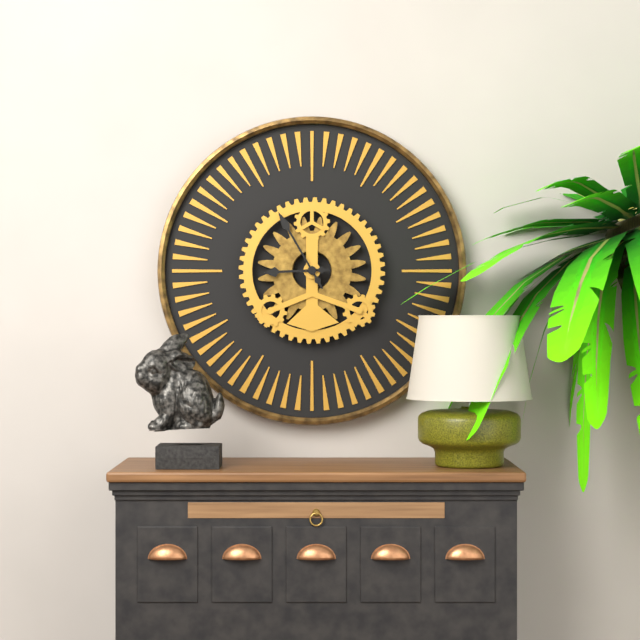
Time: {"hour": 8, "minute": 55}
